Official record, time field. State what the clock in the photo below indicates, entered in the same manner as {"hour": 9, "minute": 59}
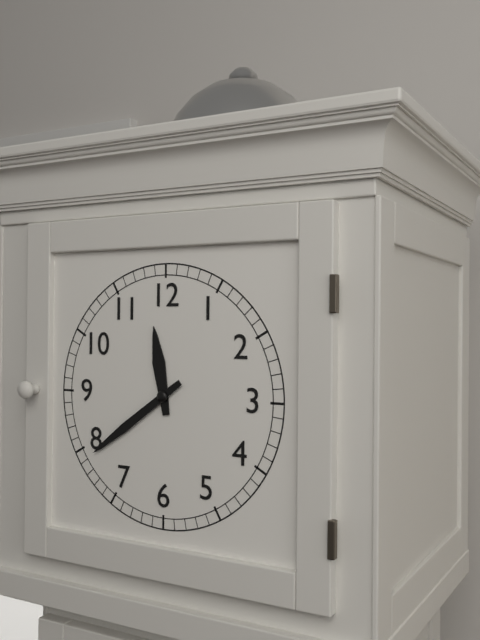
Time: {"hour": 11, "minute": 39}
